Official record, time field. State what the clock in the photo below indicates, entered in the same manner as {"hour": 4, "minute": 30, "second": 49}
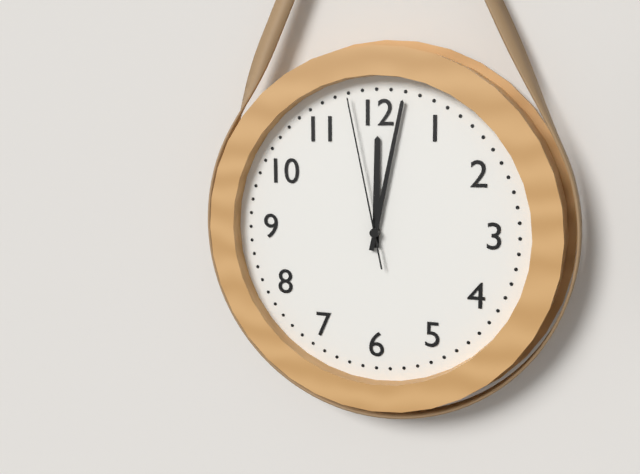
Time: {"hour": 12, "minute": 2, "second": 58}
